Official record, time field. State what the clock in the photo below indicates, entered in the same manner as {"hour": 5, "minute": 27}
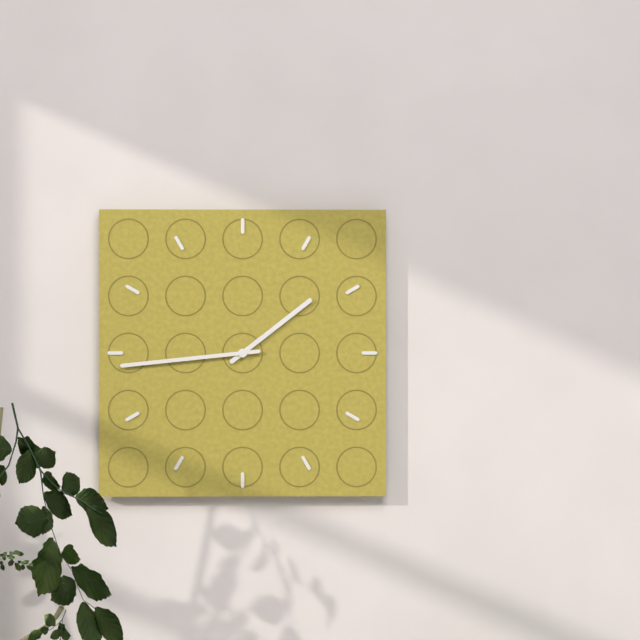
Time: {"hour": 1, "minute": 44}
